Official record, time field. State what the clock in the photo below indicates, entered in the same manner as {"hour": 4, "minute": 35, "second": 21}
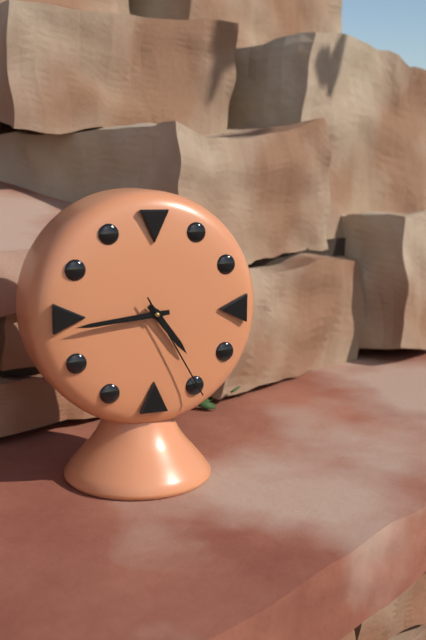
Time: {"hour": 4, "minute": 44, "second": 25}
